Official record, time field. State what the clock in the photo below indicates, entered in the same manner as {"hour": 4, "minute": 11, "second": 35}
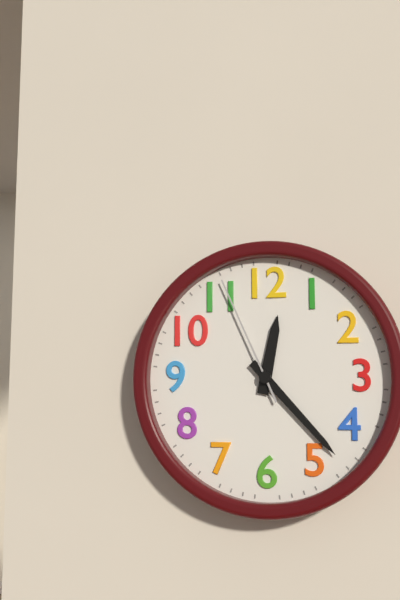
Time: {"hour": 12, "minute": 23, "second": 56}
